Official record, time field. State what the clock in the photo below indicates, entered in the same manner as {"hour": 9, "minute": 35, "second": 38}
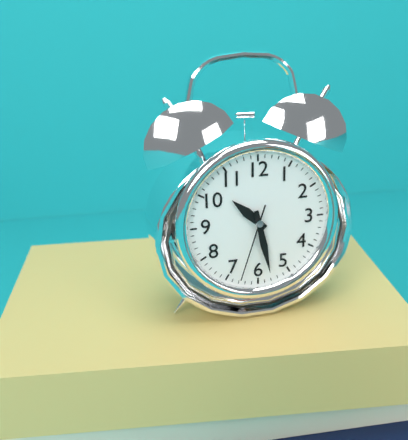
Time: {"hour": 10, "minute": 28, "second": 33}
